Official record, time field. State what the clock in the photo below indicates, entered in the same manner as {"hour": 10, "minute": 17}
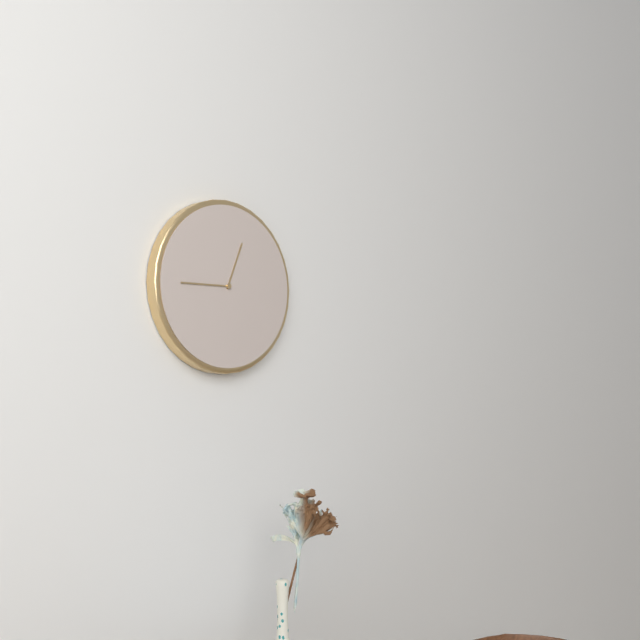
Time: {"hour": 12, "minute": 45}
